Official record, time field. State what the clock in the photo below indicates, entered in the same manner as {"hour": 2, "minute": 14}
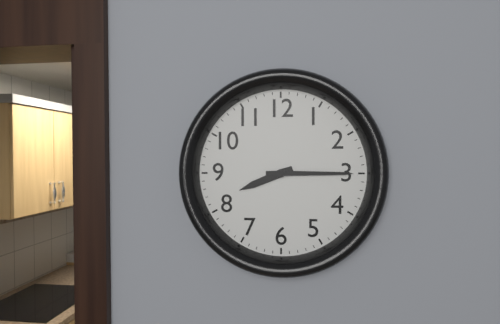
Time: {"hour": 8, "minute": 15}
